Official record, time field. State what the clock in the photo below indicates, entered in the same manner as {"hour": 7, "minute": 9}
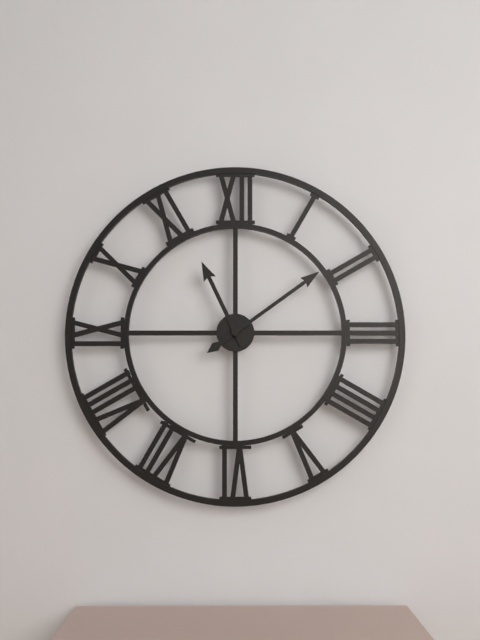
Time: {"hour": 11, "minute": 9}
